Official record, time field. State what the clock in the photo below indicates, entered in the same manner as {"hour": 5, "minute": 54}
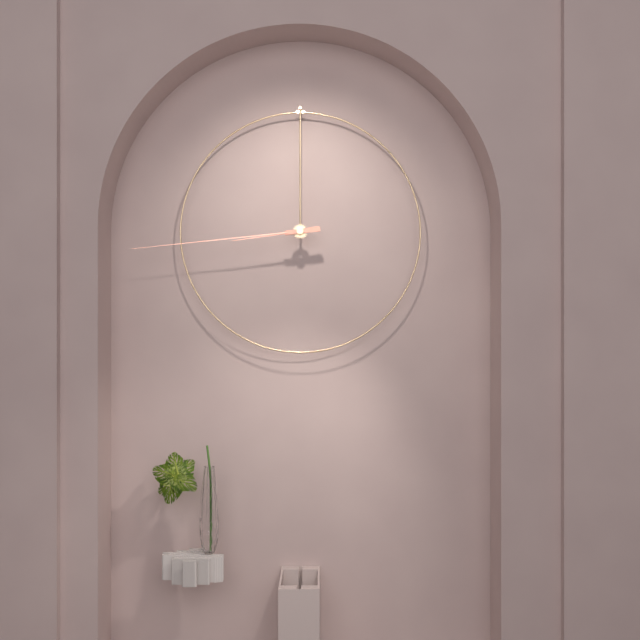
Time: {"hour": 8, "minute": 44}
